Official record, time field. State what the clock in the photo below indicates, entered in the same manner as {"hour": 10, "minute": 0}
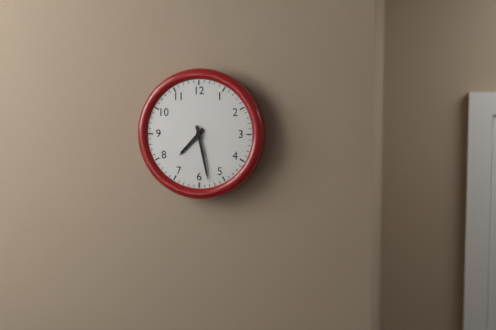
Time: {"hour": 7, "minute": 28}
